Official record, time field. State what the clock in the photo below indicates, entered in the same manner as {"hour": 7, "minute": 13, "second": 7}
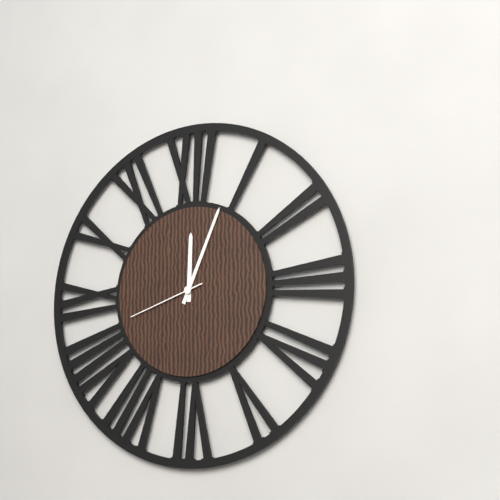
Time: {"hour": 12, "minute": 4, "second": 42}
